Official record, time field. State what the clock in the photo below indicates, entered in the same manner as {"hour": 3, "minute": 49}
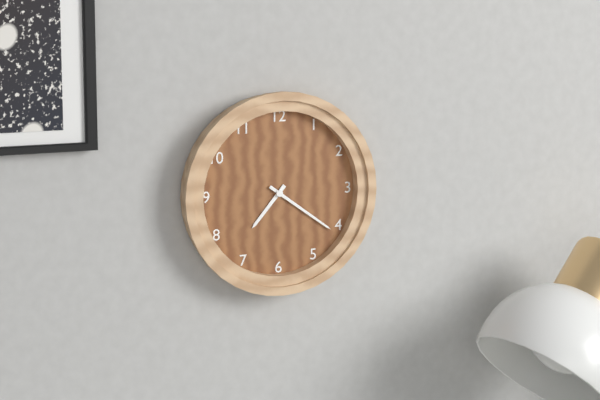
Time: {"hour": 7, "minute": 21}
